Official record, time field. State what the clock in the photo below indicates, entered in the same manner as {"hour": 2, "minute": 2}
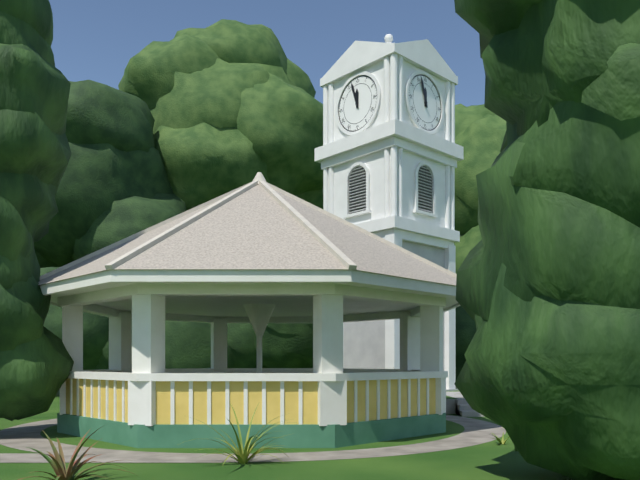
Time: {"hour": 11, "minute": 57}
